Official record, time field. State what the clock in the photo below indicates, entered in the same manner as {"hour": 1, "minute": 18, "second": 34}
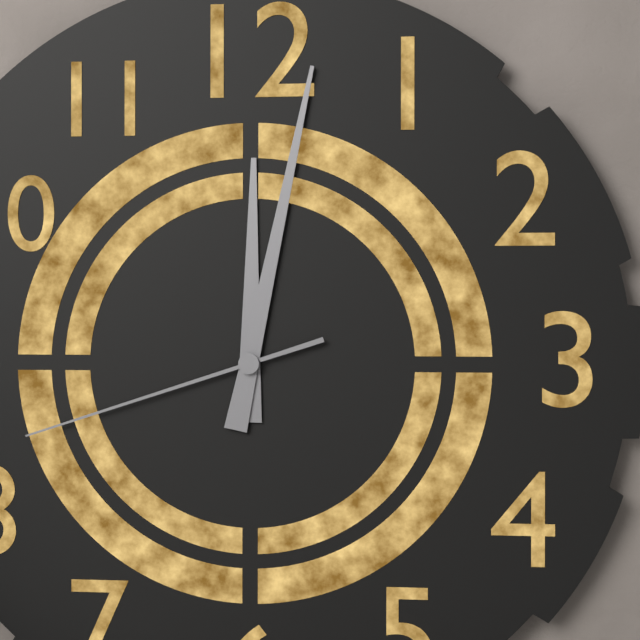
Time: {"hour": 12, "minute": 2, "second": 42}
